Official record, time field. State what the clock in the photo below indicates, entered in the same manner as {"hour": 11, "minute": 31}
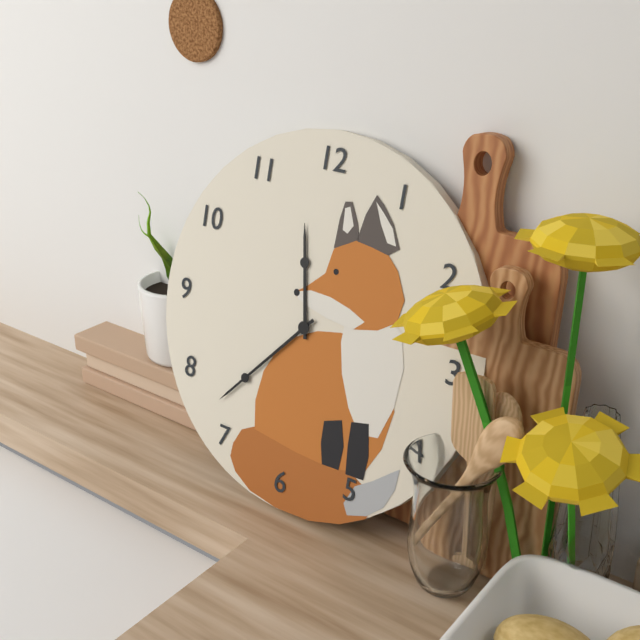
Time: {"hour": 11, "minute": 37}
